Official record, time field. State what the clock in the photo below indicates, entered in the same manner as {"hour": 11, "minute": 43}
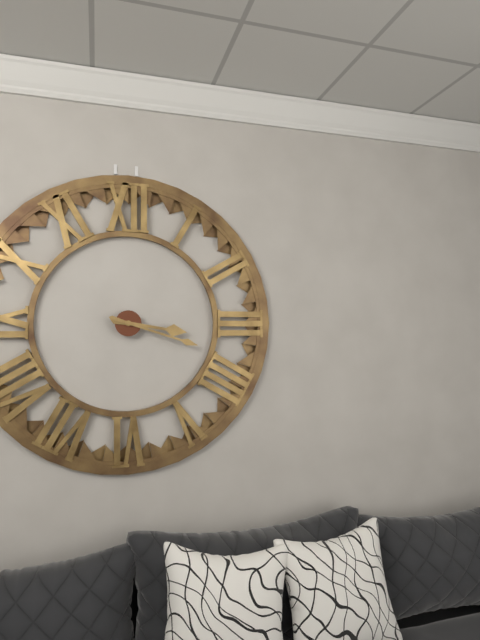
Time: {"hour": 3, "minute": 18}
